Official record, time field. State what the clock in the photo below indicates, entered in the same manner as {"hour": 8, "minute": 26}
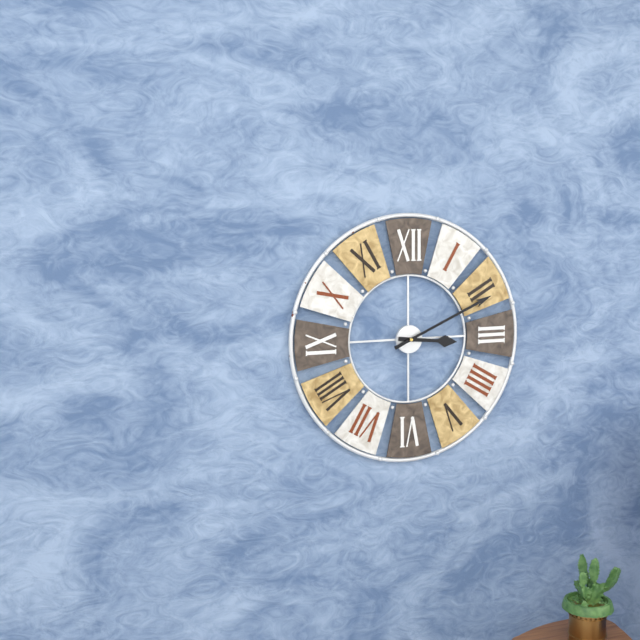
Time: {"hour": 3, "minute": 11}
